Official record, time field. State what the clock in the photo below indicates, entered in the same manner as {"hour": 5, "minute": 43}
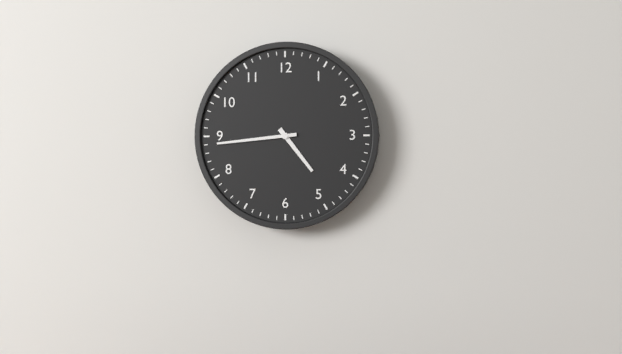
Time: {"hour": 4, "minute": 44}
